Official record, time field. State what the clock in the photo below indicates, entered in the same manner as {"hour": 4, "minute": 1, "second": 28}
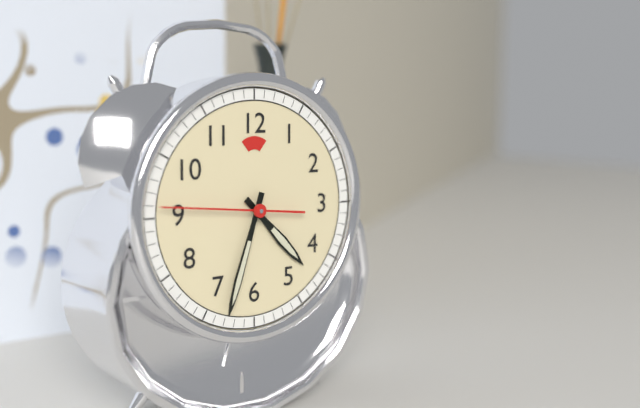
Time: {"hour": 4, "minute": 33, "second": 46}
